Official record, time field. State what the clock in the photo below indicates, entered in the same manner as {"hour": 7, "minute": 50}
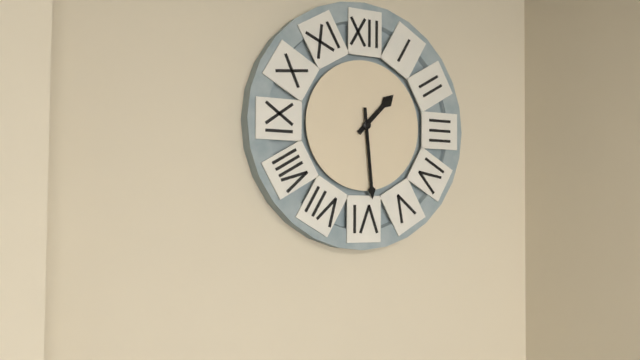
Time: {"hour": 1, "minute": 29}
